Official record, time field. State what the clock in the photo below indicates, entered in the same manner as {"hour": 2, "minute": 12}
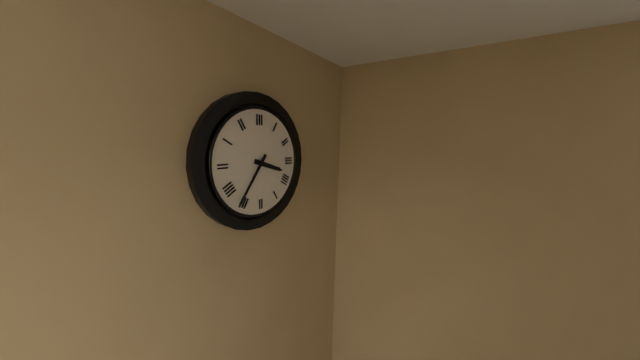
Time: {"hour": 3, "minute": 36}
